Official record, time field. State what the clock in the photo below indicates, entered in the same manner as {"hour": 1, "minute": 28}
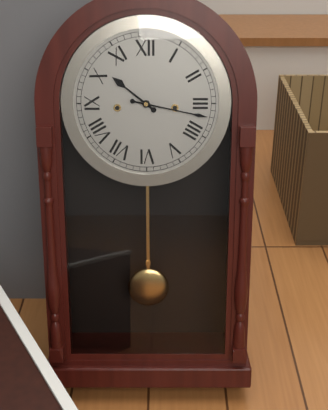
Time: {"hour": 10, "minute": 17}
